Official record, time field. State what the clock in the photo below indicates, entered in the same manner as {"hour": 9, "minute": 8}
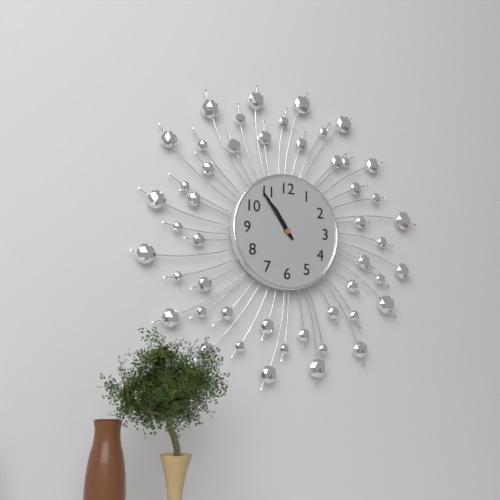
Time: {"hour": 10, "minute": 54}
